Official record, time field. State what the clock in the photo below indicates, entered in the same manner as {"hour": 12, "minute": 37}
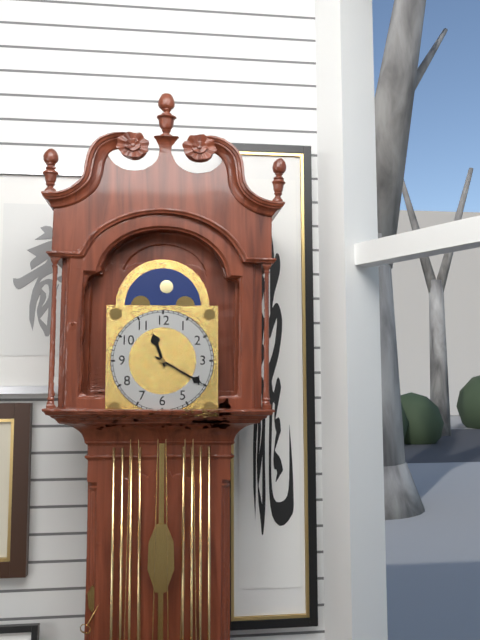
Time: {"hour": 11, "minute": 20}
